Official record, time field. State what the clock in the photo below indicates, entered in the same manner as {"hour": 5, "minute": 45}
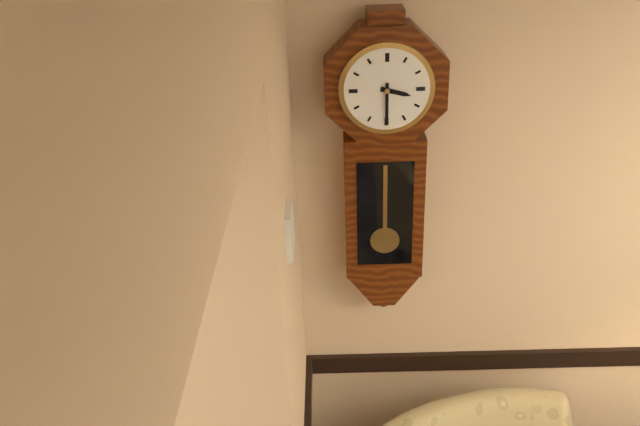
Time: {"hour": 3, "minute": 30}
